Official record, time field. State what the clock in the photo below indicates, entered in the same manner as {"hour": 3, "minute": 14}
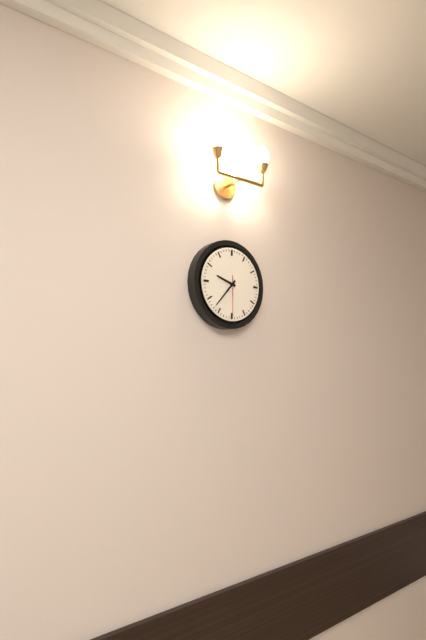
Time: {"hour": 9, "minute": 37}
